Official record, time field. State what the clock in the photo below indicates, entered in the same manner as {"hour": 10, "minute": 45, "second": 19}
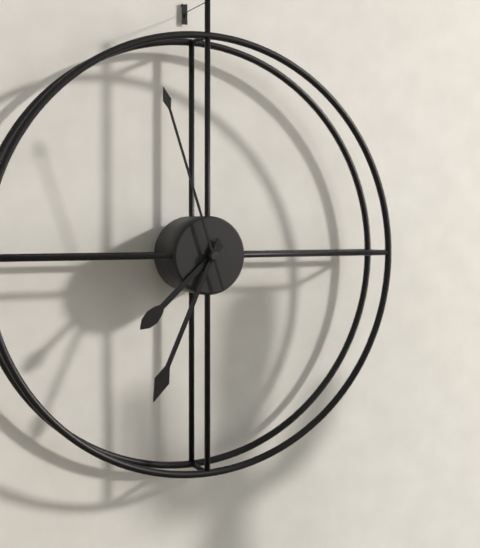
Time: {"hour": 7, "minute": 34, "second": 57}
